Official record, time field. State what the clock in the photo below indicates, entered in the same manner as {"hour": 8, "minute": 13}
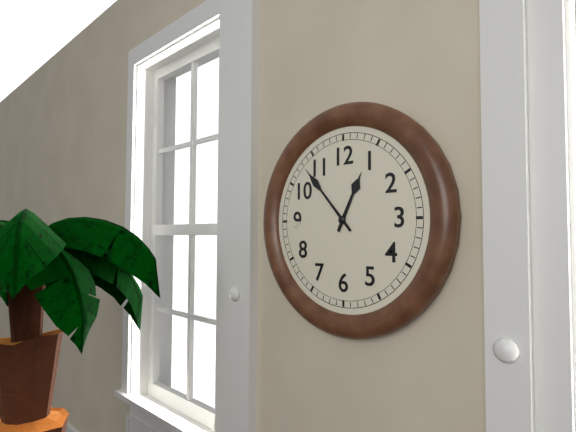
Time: {"hour": 12, "minute": 53}
